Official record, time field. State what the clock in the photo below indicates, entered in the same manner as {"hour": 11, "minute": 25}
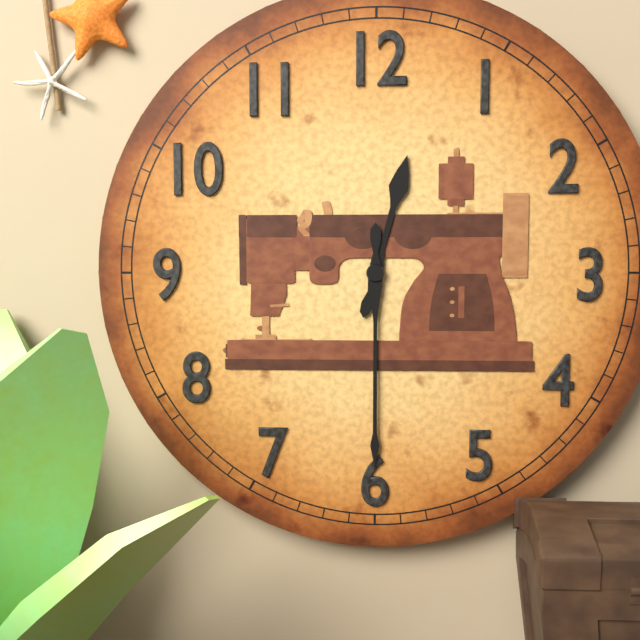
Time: {"hour": 12, "minute": 30}
